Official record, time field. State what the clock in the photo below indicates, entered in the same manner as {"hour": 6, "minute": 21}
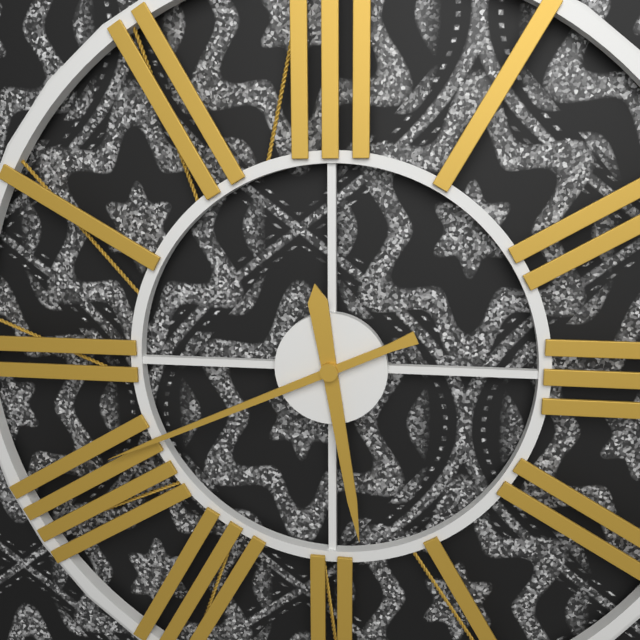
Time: {"hour": 5, "minute": 41}
